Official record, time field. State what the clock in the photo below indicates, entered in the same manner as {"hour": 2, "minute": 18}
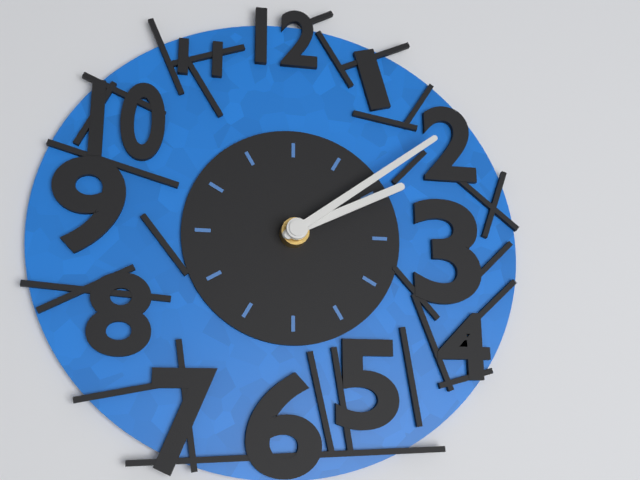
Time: {"hour": 2, "minute": 9}
